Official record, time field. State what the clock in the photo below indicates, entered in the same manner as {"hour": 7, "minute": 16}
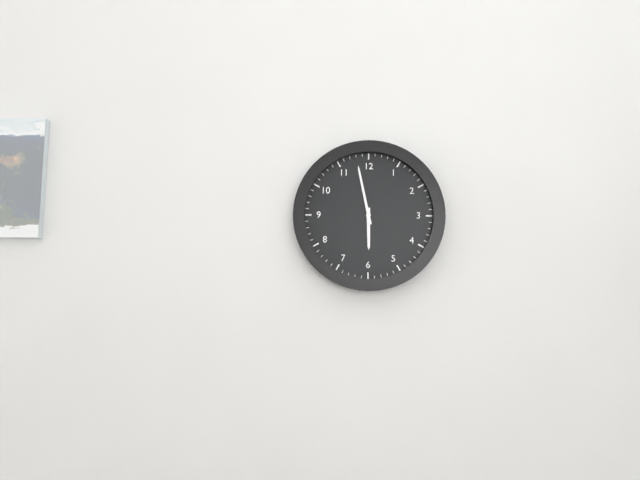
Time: {"hour": 5, "minute": 58}
